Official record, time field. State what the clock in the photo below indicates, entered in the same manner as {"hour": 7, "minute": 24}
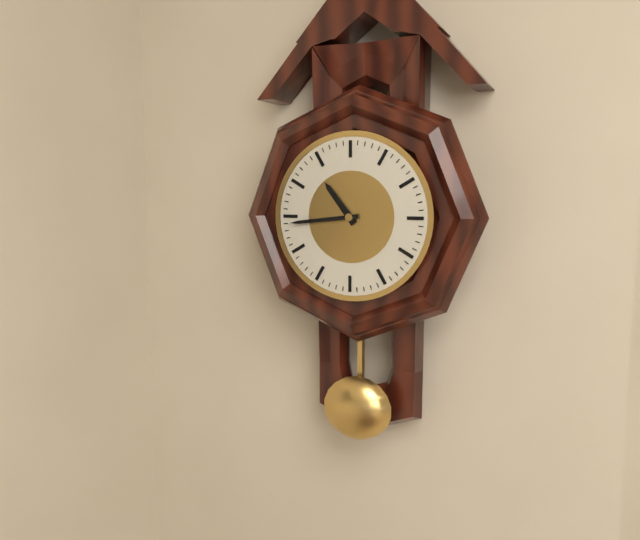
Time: {"hour": 10, "minute": 44}
